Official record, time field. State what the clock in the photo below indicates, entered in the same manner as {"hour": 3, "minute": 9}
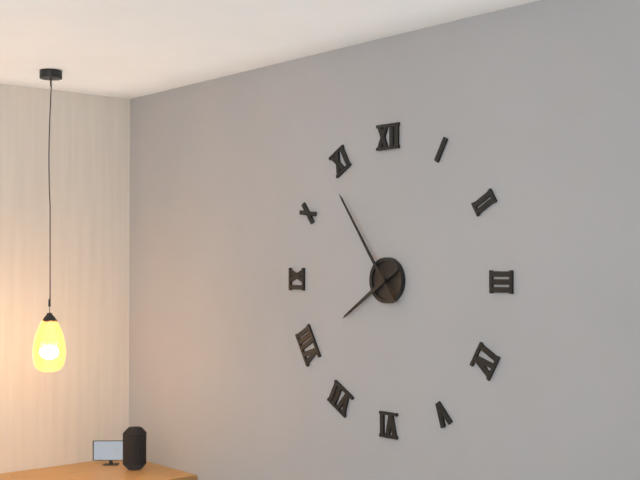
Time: {"hour": 7, "minute": 54}
